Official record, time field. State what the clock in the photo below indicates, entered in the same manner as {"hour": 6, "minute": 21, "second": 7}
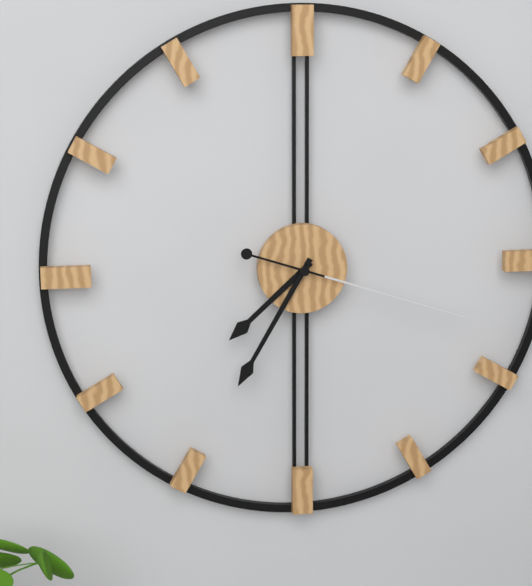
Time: {"hour": 7, "minute": 35, "second": 18}
